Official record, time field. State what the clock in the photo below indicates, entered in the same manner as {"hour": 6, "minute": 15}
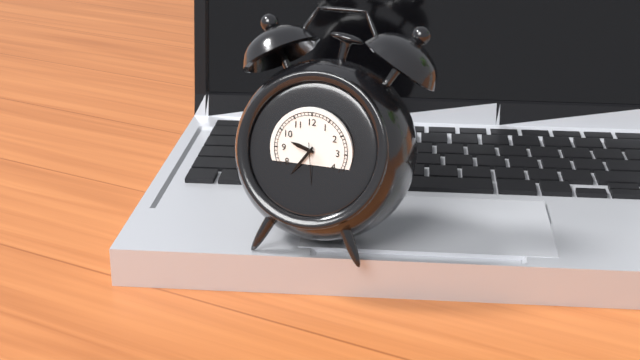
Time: {"hour": 9, "minute": 36}
